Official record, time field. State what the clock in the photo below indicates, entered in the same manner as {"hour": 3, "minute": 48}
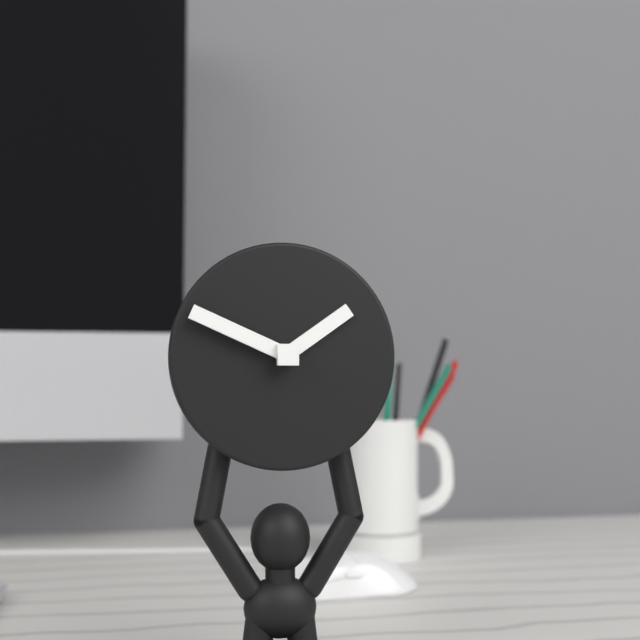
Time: {"hour": 1, "minute": 49}
